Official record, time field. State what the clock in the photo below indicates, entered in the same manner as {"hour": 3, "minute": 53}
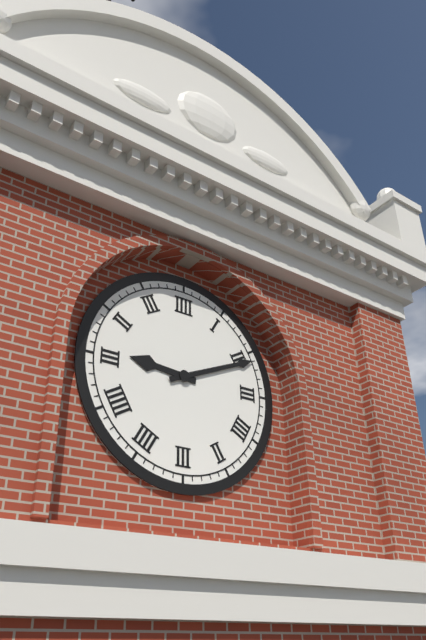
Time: {"hour": 9, "minute": 11}
